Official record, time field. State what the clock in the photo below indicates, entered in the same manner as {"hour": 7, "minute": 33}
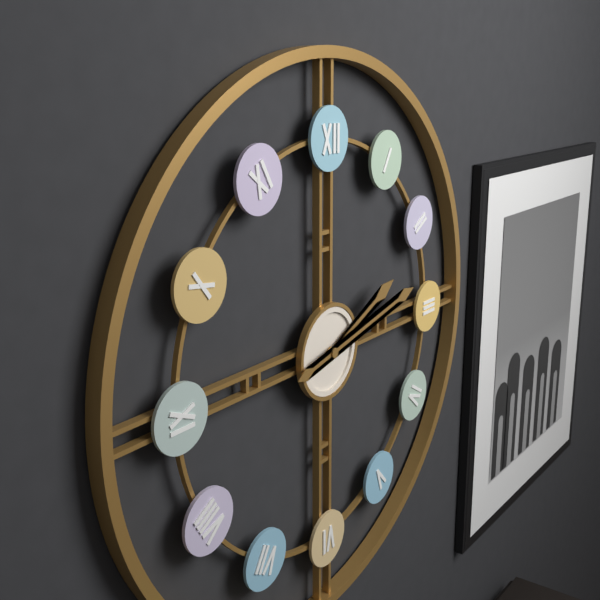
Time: {"hour": 2, "minute": 13}
